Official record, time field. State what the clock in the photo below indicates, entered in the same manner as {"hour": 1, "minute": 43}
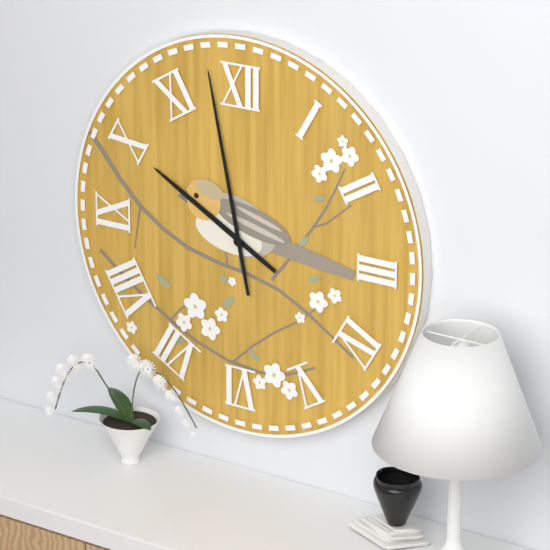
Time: {"hour": 9, "minute": 58}
